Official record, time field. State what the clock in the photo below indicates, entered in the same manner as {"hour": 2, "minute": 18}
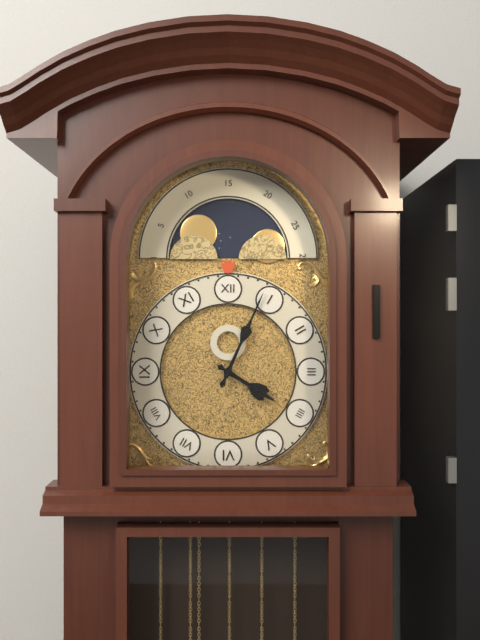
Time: {"hour": 4, "minute": 4}
